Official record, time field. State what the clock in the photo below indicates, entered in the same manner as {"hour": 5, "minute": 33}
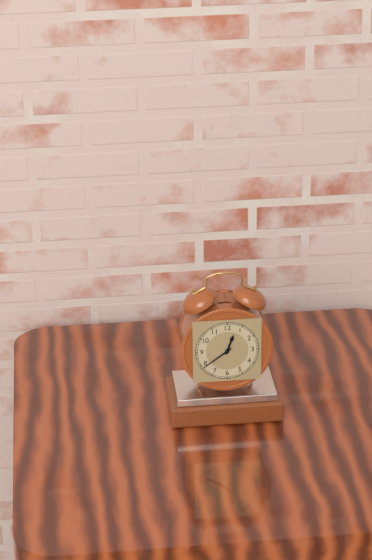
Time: {"hour": 12, "minute": 39}
